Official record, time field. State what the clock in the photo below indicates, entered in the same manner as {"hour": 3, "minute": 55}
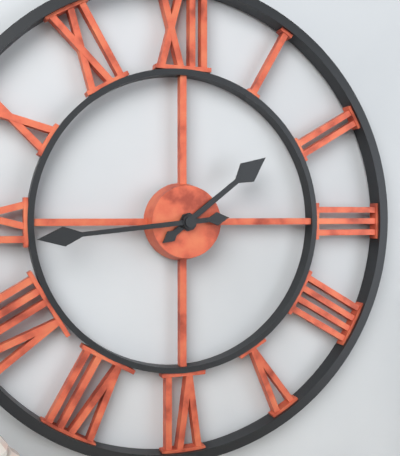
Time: {"hour": 1, "minute": 44}
